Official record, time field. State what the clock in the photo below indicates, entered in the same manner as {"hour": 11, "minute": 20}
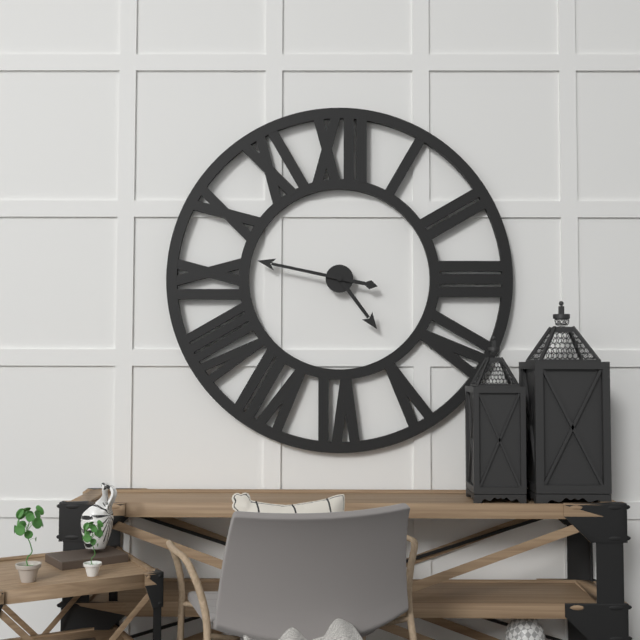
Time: {"hour": 4, "minute": 47}
